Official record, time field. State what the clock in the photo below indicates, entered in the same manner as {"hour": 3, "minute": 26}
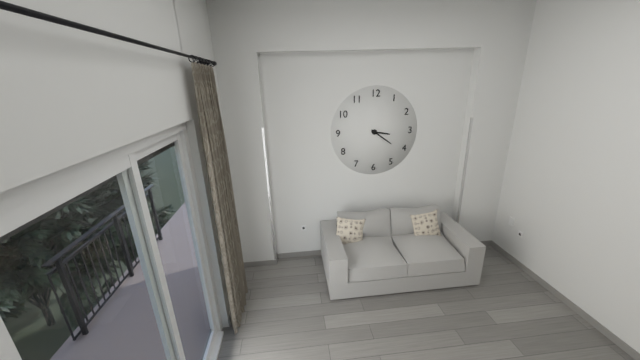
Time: {"hour": 3, "minute": 21}
